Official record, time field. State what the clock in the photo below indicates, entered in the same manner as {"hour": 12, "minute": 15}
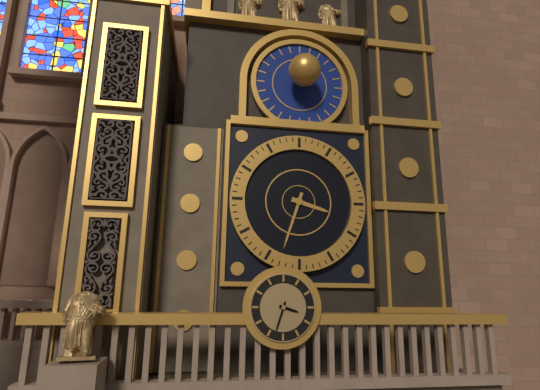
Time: {"hour": 3, "minute": 33}
